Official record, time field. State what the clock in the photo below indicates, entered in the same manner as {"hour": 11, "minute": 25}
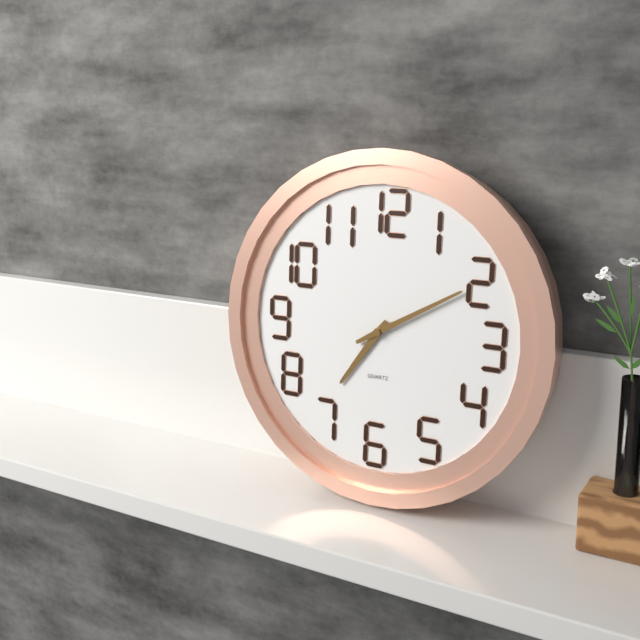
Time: {"hour": 7, "minute": 10}
